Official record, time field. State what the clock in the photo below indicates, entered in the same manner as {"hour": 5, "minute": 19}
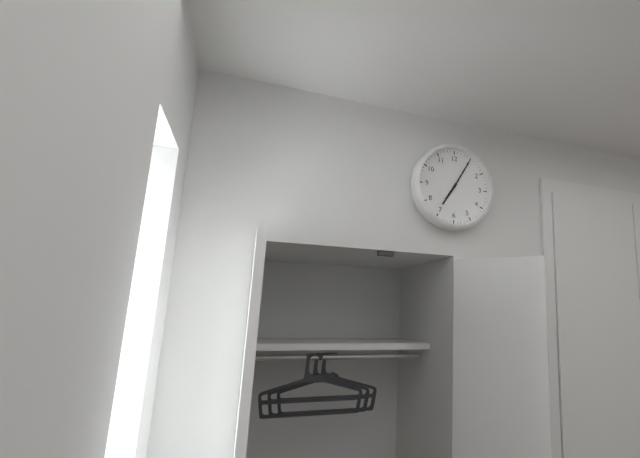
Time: {"hour": 7, "minute": 5}
